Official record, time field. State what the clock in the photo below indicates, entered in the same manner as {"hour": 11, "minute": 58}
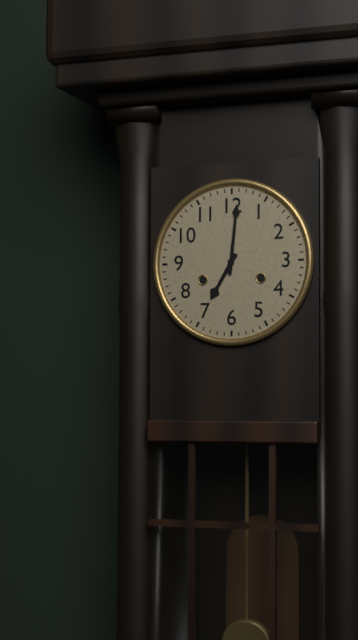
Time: {"hour": 7, "minute": 1}
